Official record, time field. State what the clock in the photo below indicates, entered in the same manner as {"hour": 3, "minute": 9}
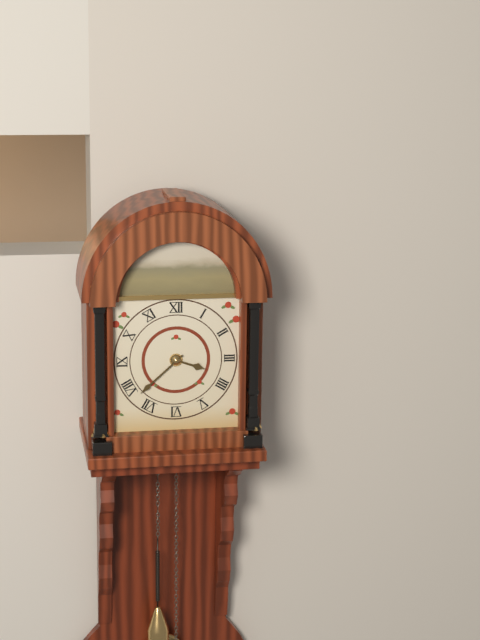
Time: {"hour": 3, "minute": 38}
